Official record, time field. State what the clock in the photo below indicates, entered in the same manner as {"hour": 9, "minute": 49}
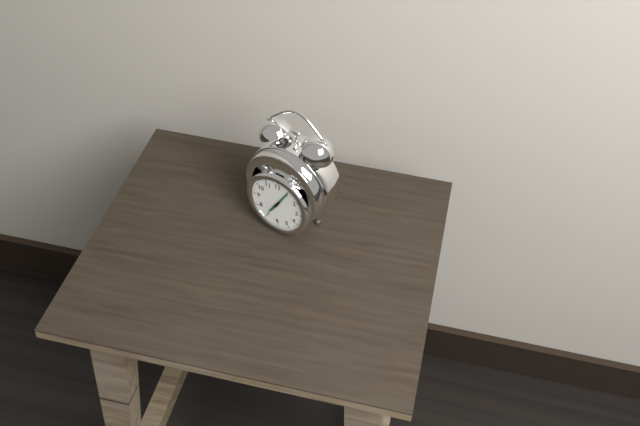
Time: {"hour": 7, "minute": 5}
